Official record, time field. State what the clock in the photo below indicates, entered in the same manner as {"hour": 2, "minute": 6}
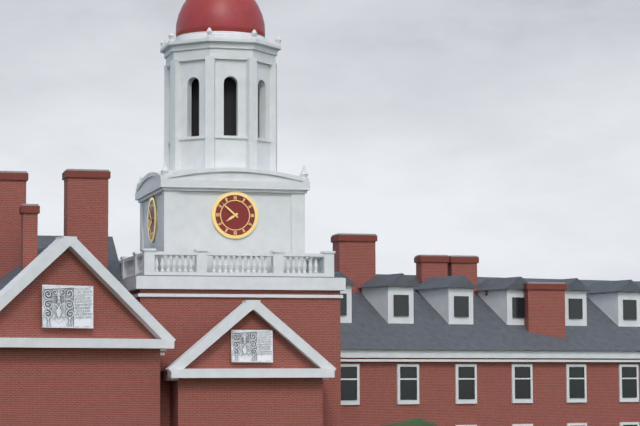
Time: {"hour": 7, "minute": 52}
